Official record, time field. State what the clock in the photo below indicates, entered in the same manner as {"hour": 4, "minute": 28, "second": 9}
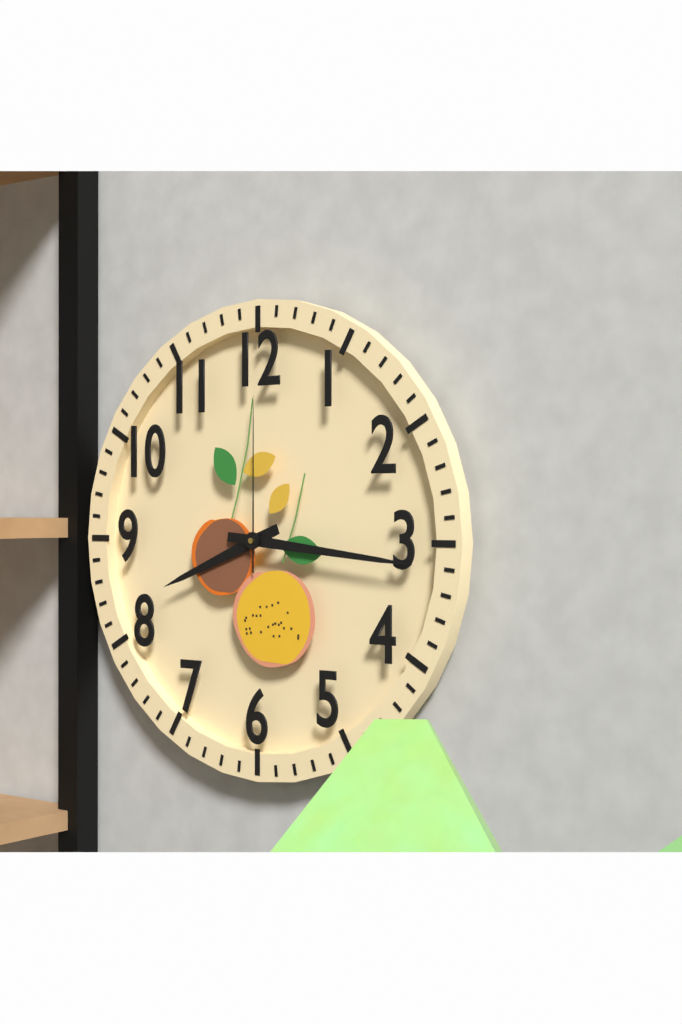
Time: {"hour": 8, "minute": 16, "second": 0}
